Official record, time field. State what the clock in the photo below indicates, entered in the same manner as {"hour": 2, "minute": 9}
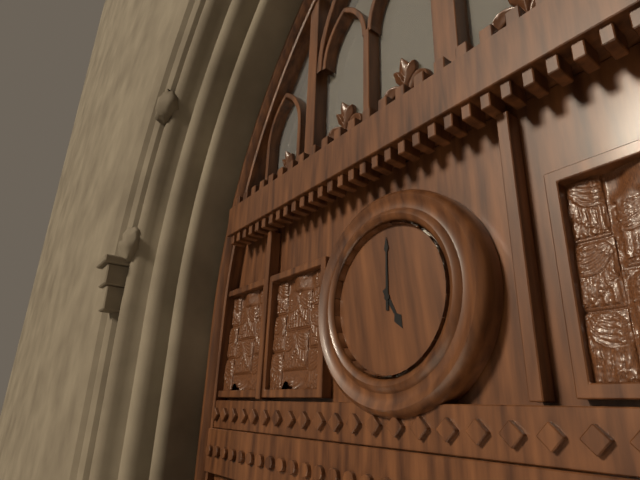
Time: {"hour": 5, "minute": 0}
